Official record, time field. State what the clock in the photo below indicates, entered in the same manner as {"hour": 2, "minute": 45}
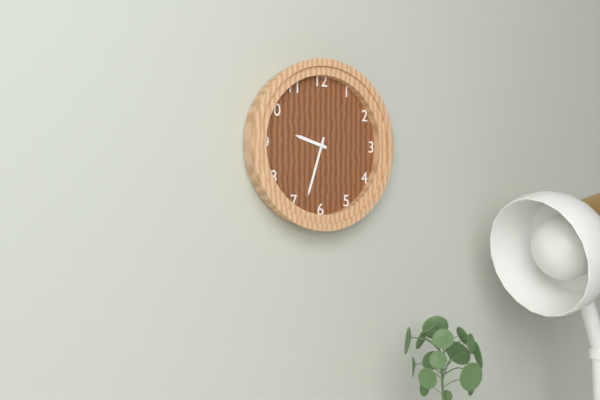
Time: {"hour": 9, "minute": 33}
